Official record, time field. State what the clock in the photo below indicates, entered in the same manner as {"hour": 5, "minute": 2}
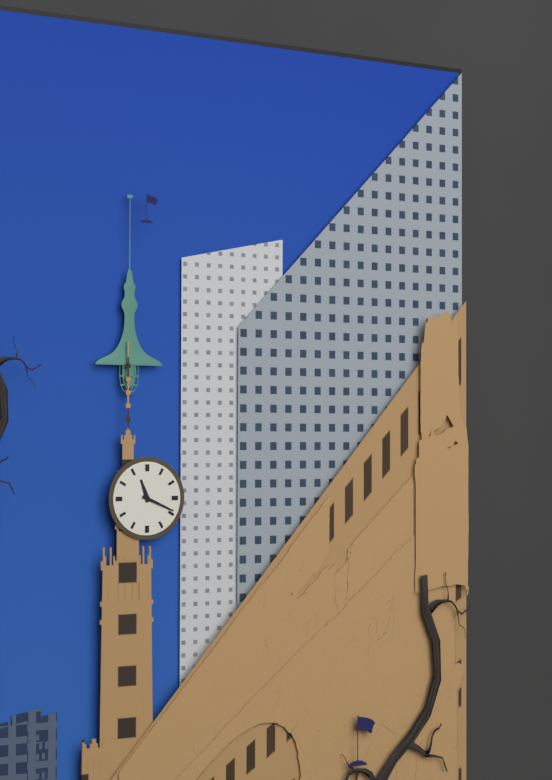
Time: {"hour": 11, "minute": 19}
